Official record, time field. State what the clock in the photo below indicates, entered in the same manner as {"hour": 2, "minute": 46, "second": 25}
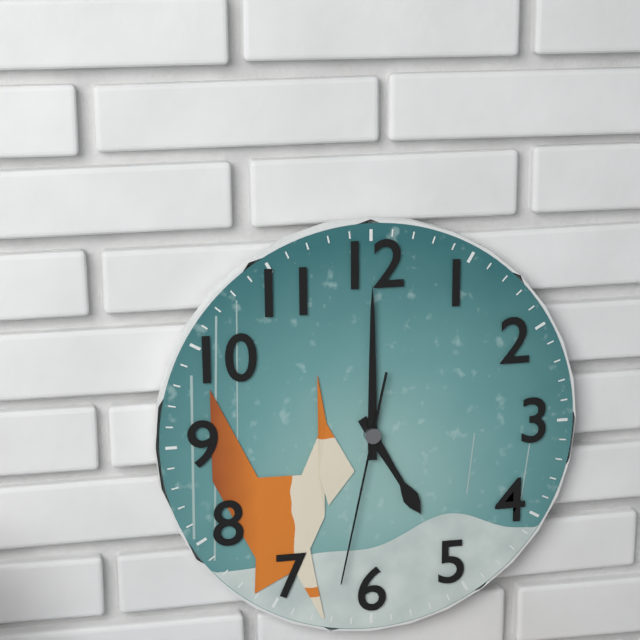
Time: {"hour": 5, "minute": 0, "second": 32}
